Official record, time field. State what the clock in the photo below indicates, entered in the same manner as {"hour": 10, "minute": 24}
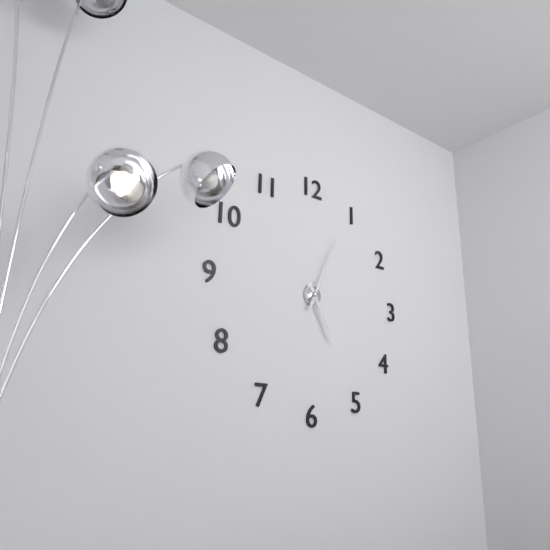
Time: {"hour": 5, "minute": 4}
